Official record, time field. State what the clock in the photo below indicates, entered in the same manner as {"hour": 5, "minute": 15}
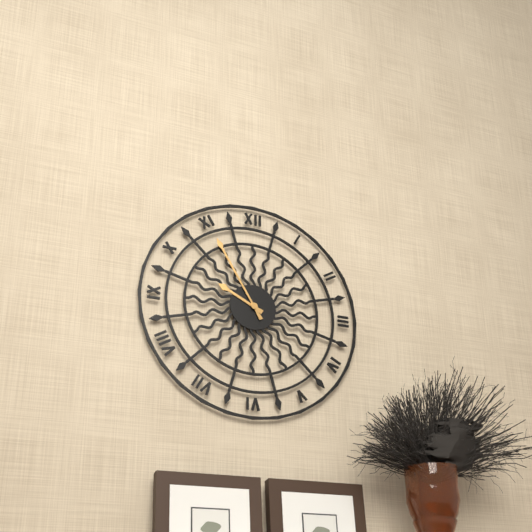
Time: {"hour": 9, "minute": 55}
